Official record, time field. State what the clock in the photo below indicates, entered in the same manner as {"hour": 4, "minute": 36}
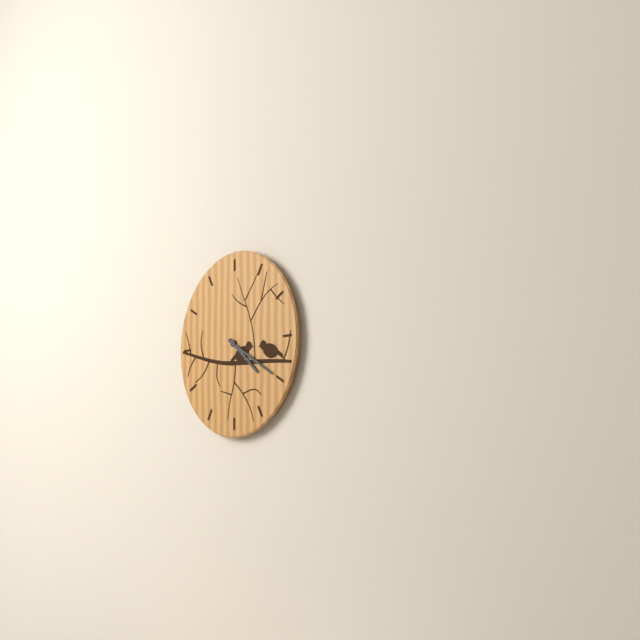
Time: {"hour": 4, "minute": 20}
